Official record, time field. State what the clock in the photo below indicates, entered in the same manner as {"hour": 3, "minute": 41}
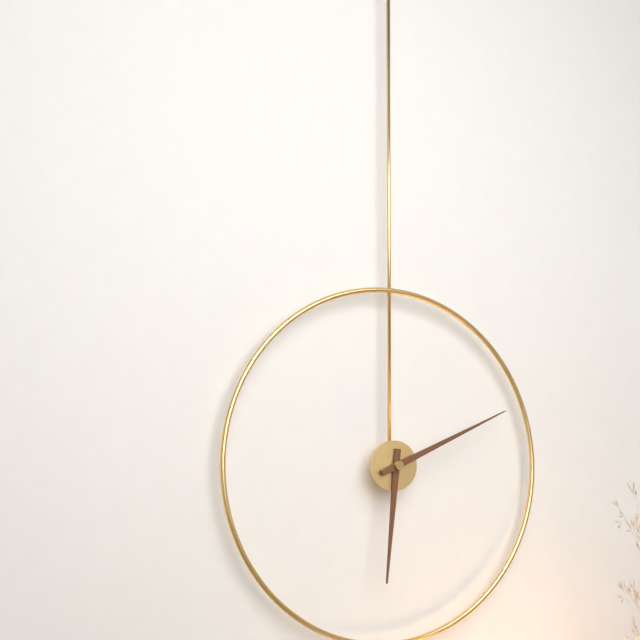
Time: {"hour": 6, "minute": 11}
